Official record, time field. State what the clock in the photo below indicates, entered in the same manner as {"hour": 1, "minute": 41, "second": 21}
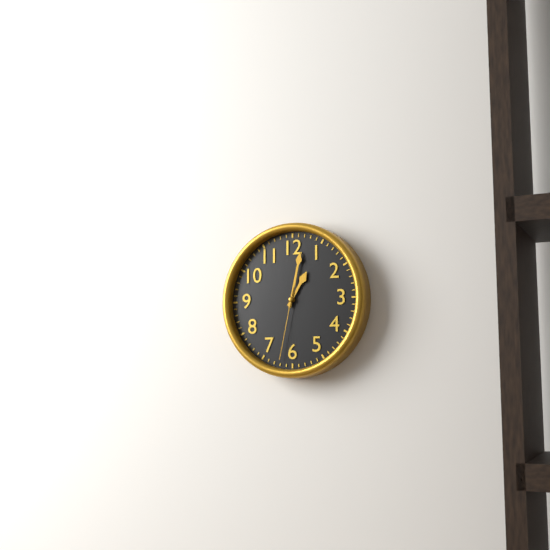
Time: {"hour": 1, "minute": 2, "second": 32}
